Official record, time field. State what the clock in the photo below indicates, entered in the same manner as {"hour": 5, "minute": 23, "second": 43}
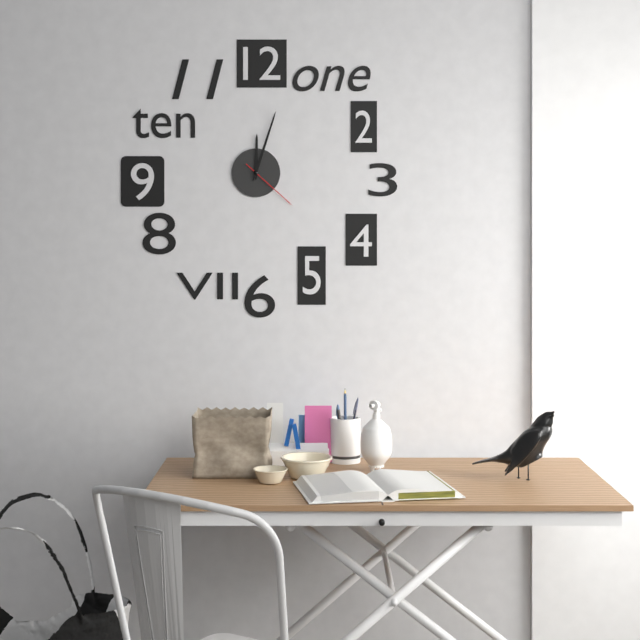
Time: {"hour": 12, "minute": 3, "second": 22}
